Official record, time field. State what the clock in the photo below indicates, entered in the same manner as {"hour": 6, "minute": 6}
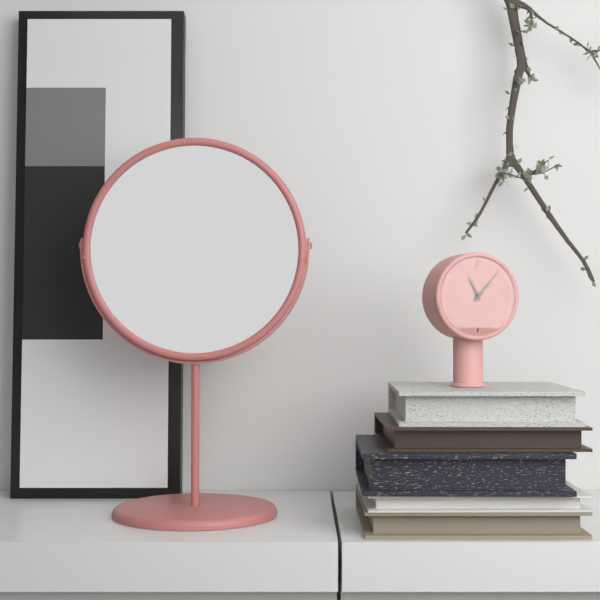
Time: {"hour": 11, "minute": 7}
